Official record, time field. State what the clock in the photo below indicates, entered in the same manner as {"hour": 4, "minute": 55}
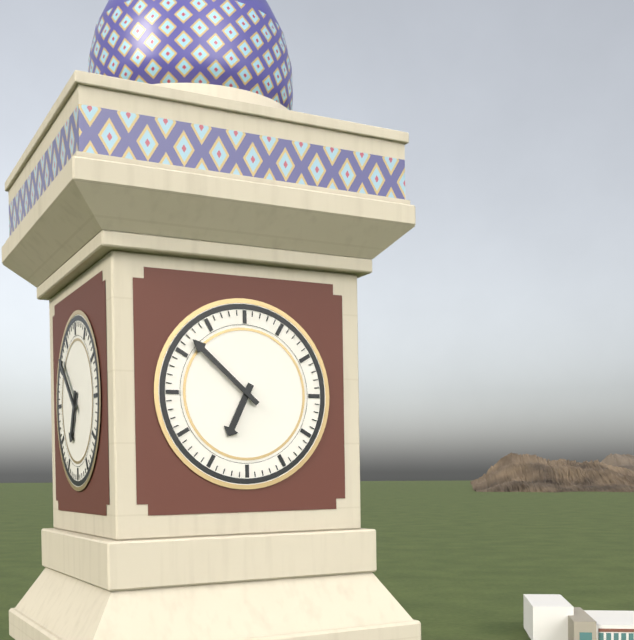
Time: {"hour": 6, "minute": 52}
